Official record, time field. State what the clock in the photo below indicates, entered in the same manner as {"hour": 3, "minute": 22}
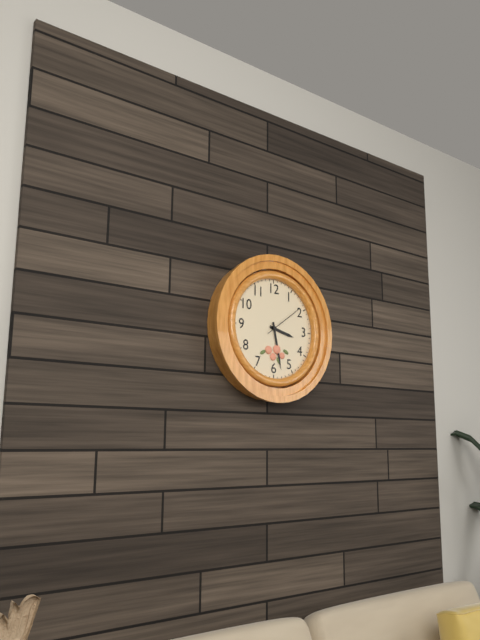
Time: {"hour": 3, "minute": 28}
